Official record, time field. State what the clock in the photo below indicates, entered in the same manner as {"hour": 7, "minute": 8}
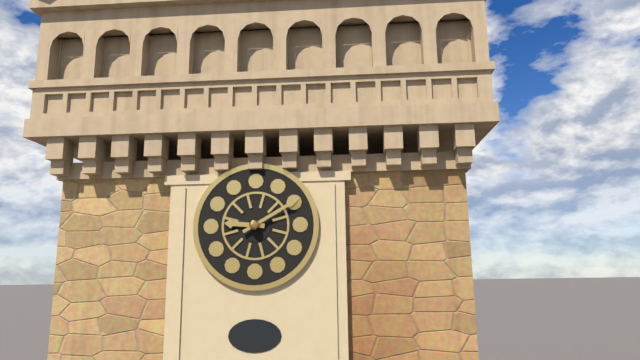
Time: {"hour": 9, "minute": 10}
